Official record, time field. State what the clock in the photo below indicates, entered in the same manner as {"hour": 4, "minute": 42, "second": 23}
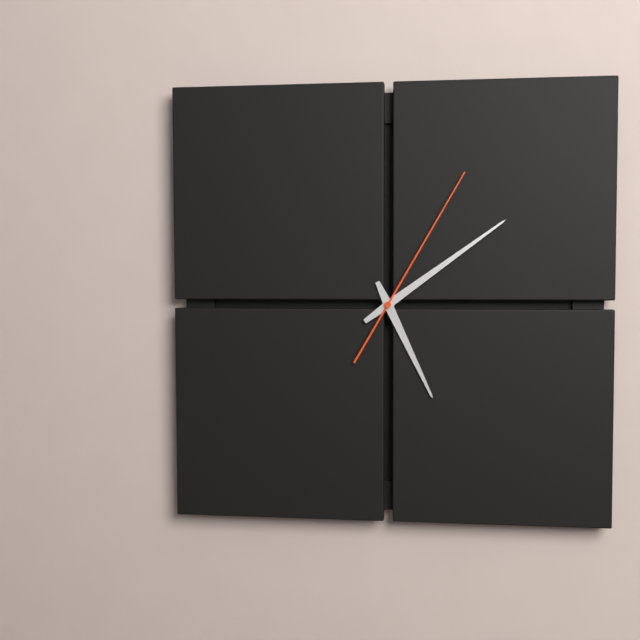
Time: {"hour": 5, "minute": 9, "second": 5}
